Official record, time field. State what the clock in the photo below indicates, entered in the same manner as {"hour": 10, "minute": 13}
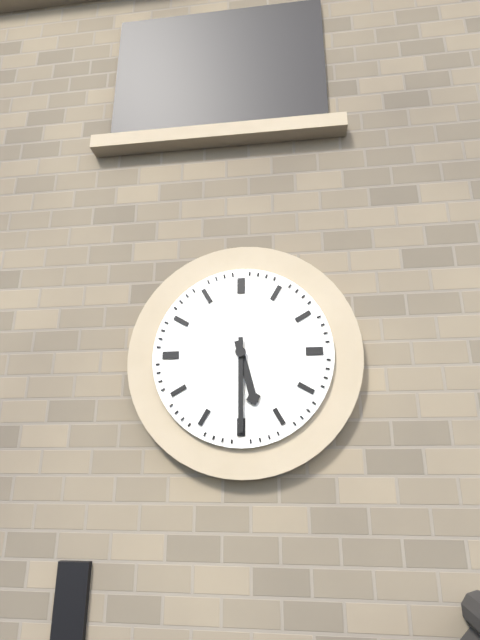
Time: {"hour": 5, "minute": 30}
